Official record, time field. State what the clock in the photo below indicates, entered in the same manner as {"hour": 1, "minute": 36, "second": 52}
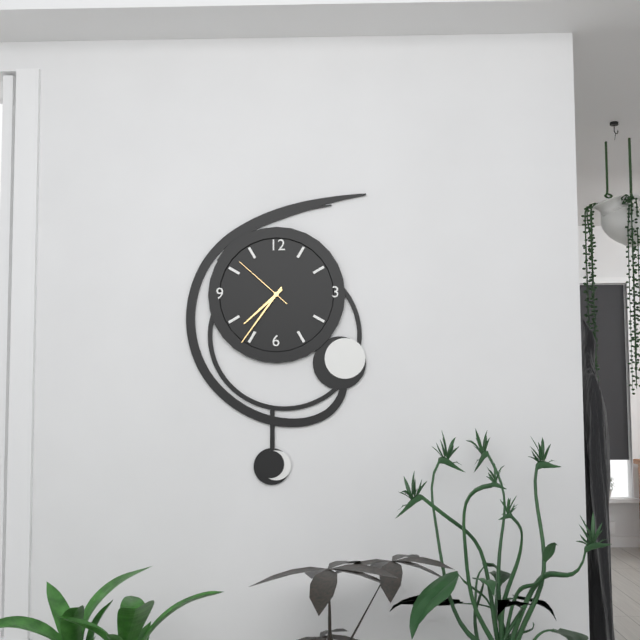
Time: {"hour": 7, "minute": 36, "second": 52}
